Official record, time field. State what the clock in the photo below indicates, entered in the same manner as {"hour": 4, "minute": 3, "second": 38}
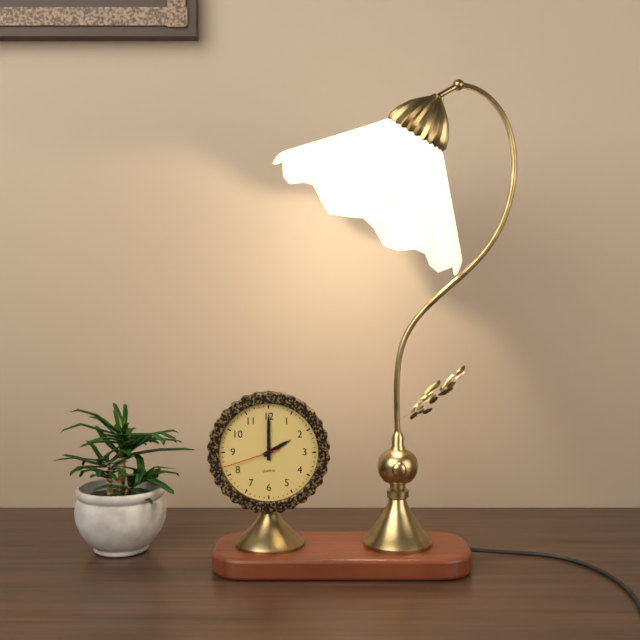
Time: {"hour": 2, "minute": 0, "second": 42}
